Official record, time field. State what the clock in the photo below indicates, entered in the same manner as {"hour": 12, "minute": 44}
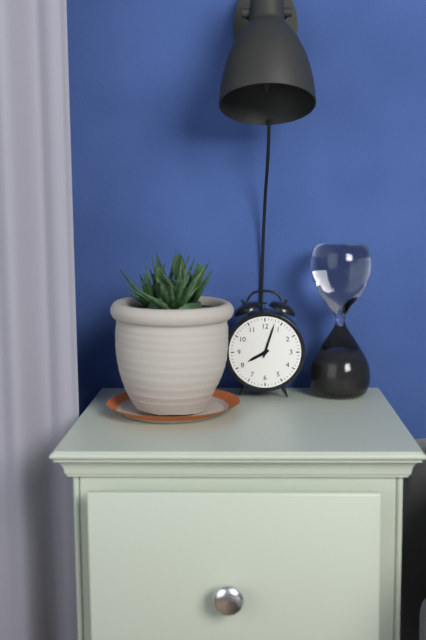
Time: {"hour": 8, "minute": 3}
